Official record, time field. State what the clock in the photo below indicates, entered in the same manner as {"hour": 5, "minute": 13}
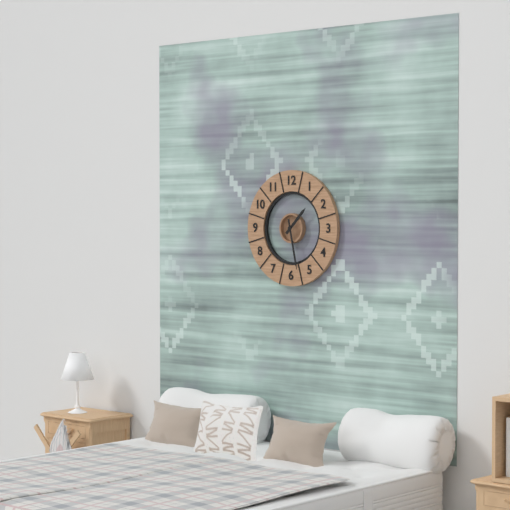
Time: {"hour": 1, "minute": 28}
